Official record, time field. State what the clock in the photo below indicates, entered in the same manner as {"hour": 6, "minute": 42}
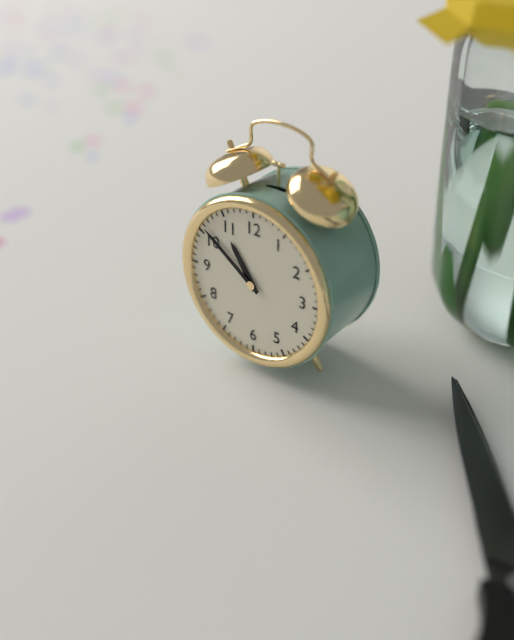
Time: {"hour": 10, "minute": 51}
